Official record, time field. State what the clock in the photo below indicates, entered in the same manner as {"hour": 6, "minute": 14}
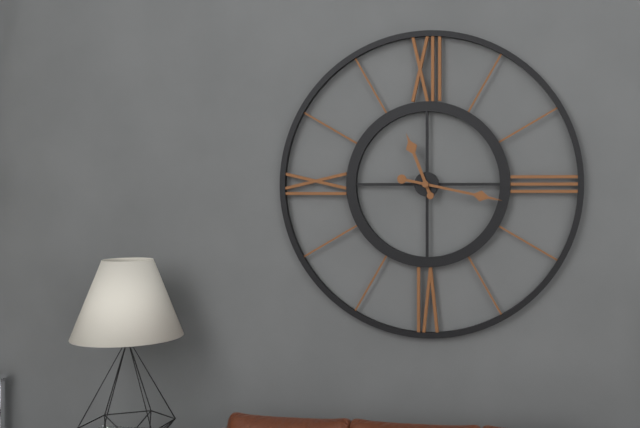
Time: {"hour": 11, "minute": 17}
